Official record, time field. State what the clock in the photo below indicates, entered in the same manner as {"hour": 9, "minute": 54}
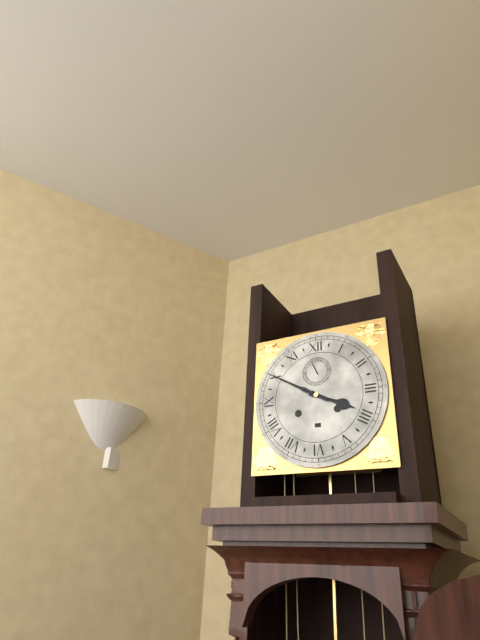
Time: {"hour": 3, "minute": 50}
